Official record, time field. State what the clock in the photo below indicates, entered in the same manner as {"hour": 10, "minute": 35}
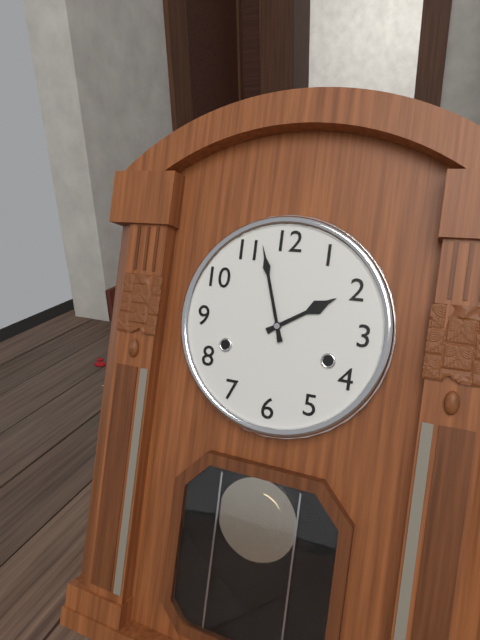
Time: {"hour": 1, "minute": 57}
